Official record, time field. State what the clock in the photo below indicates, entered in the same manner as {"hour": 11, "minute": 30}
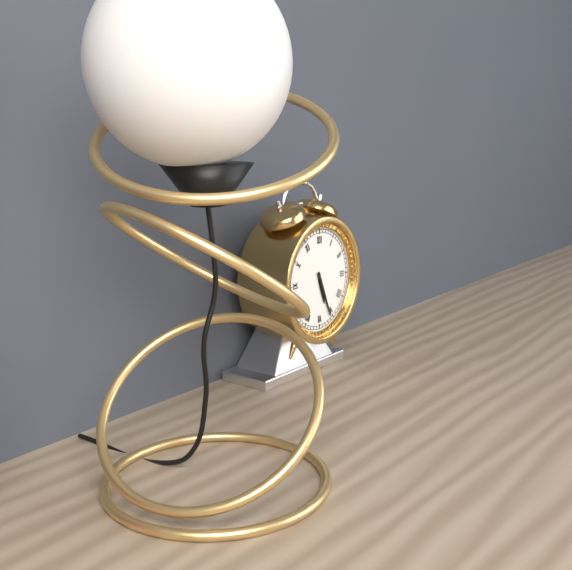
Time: {"hour": 5, "minute": 26}
